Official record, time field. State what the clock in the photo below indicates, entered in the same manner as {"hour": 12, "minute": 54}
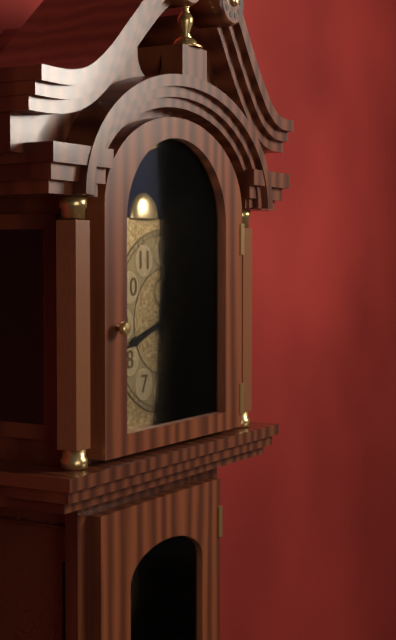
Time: {"hour": 12, "minute": 42}
